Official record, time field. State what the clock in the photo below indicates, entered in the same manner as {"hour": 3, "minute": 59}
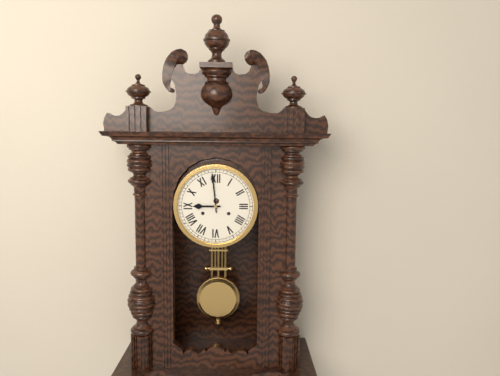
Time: {"hour": 8, "minute": 59}
